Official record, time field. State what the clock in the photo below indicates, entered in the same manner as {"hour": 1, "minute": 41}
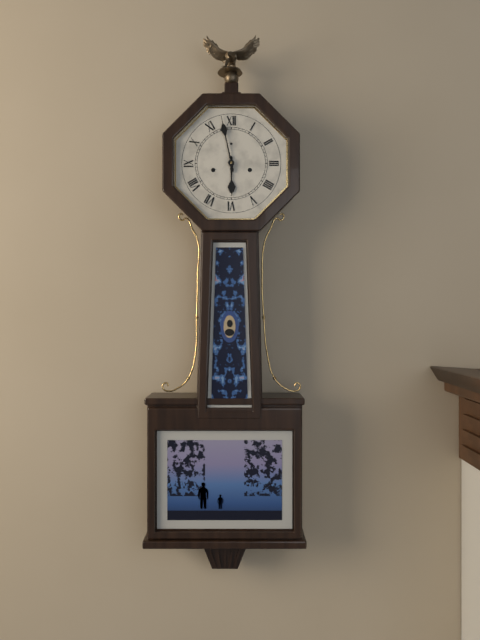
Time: {"hour": 5, "minute": 58}
